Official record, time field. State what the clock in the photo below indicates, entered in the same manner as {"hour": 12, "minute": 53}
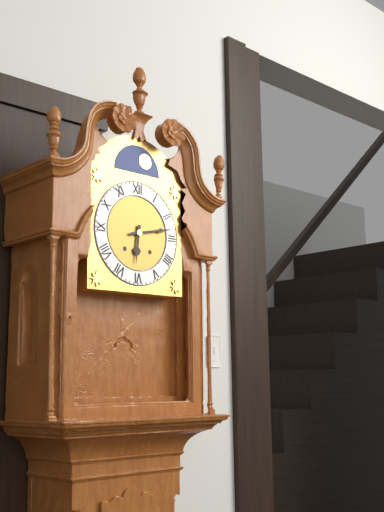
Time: {"hour": 6, "minute": 13}
